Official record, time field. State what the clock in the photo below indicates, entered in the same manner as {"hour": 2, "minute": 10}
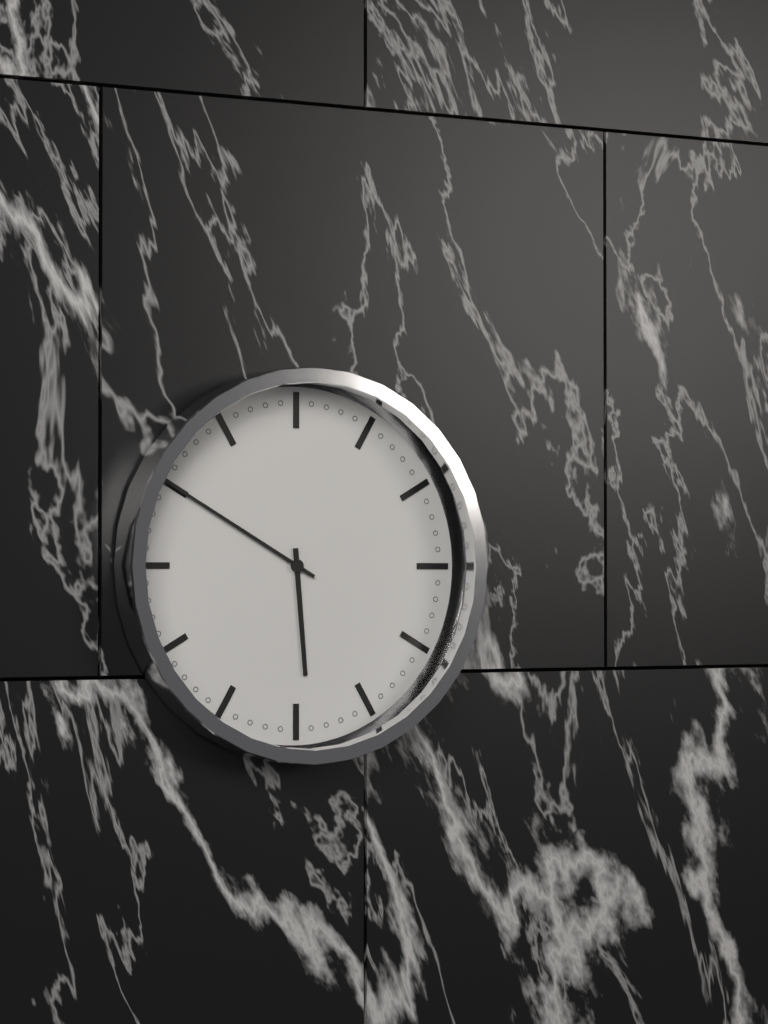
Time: {"hour": 5, "minute": 50}
